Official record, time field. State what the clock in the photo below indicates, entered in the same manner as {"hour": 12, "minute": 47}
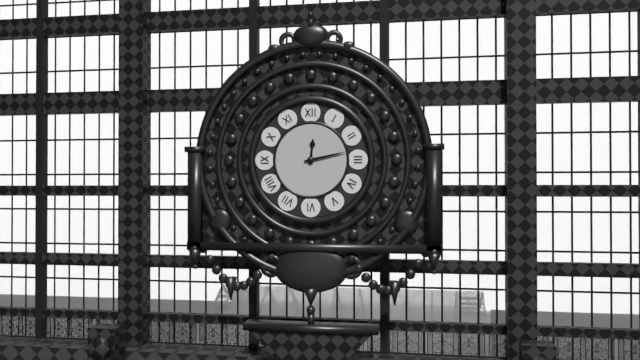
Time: {"hour": 12, "minute": 13}
